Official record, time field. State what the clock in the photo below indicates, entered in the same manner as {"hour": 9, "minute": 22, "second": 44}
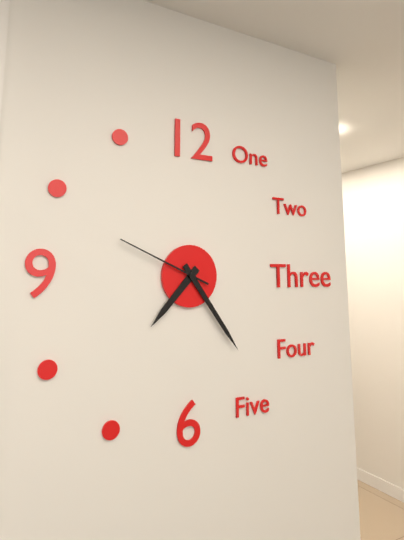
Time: {"hour": 7, "minute": 24, "second": 49}
